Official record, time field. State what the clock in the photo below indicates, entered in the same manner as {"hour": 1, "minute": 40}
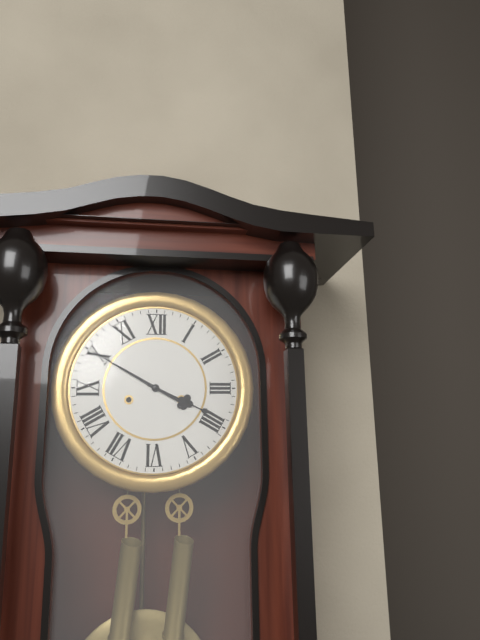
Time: {"hour": 3, "minute": 50}
